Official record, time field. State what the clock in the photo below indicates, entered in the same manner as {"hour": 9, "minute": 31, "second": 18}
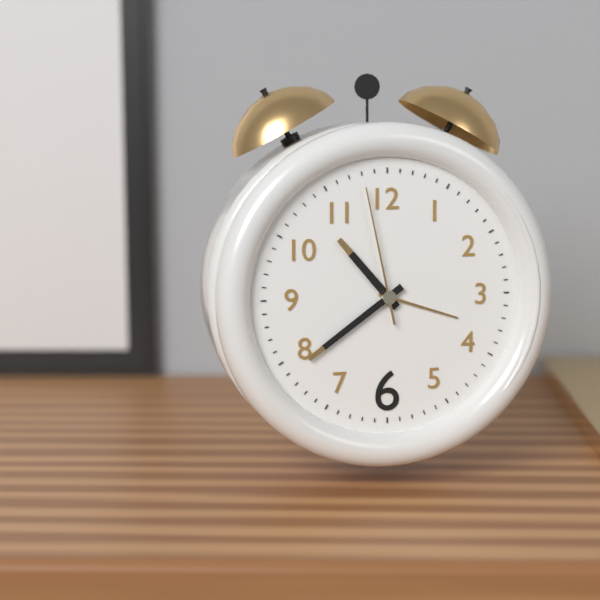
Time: {"hour": 10, "minute": 39, "second": 58}
